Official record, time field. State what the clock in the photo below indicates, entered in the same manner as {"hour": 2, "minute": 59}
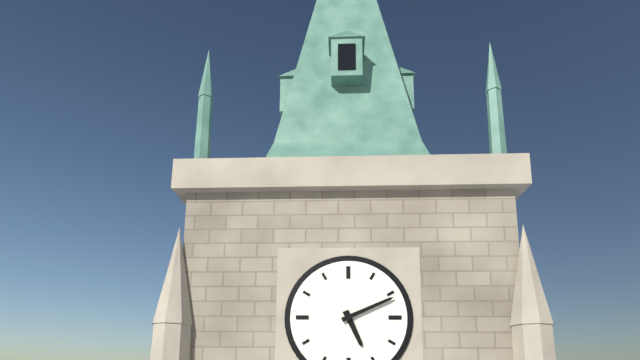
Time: {"hour": 5, "minute": 11}
